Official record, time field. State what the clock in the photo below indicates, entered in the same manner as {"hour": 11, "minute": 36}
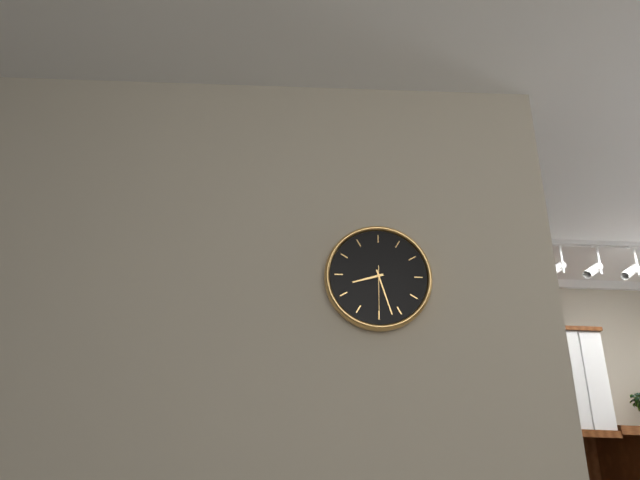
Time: {"hour": 8, "minute": 27}
